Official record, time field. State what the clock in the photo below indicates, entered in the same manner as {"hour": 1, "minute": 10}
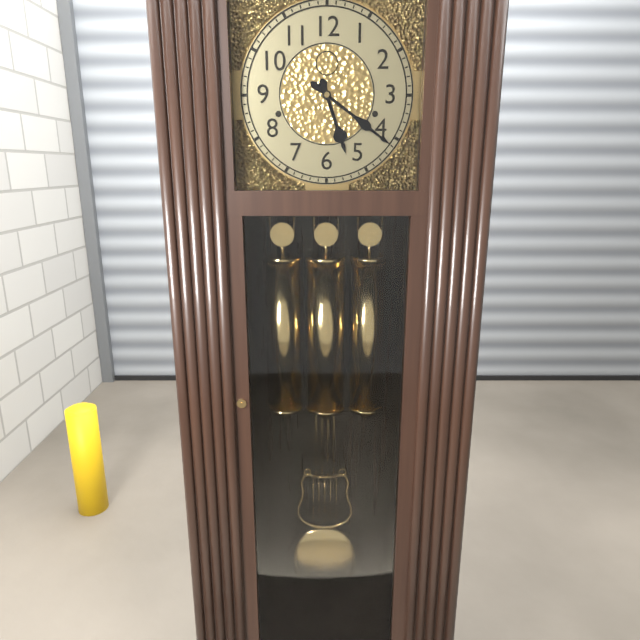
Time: {"hour": 5, "minute": 21}
